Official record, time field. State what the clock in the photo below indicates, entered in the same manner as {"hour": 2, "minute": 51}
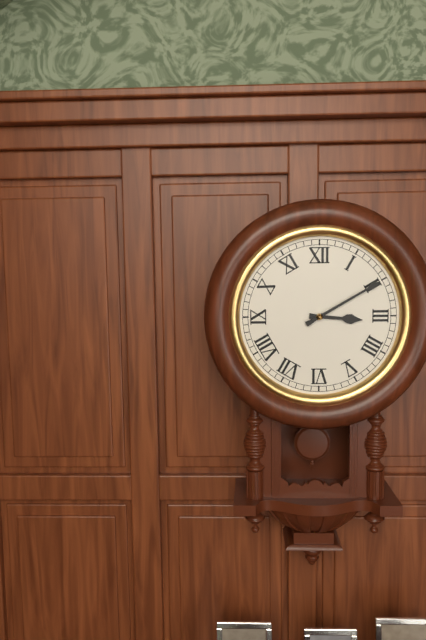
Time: {"hour": 3, "minute": 10}
